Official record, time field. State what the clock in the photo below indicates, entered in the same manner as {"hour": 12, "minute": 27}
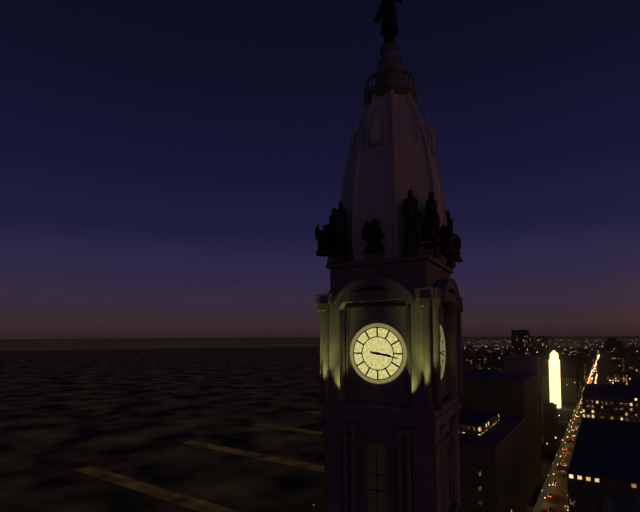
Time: {"hour": 3, "minute": 17}
